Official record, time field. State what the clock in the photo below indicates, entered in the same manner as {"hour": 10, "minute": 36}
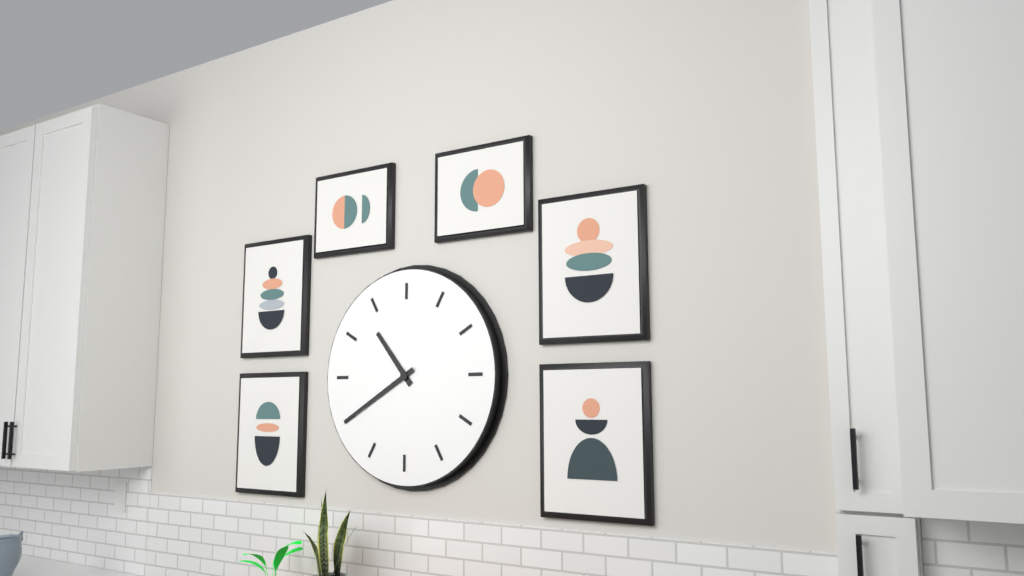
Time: {"hour": 10, "minute": 40}
